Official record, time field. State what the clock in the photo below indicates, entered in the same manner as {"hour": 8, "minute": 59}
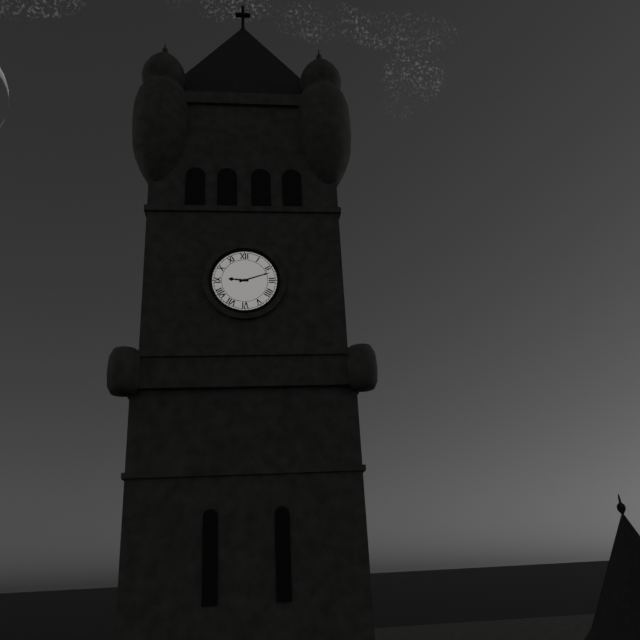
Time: {"hour": 9, "minute": 12}
